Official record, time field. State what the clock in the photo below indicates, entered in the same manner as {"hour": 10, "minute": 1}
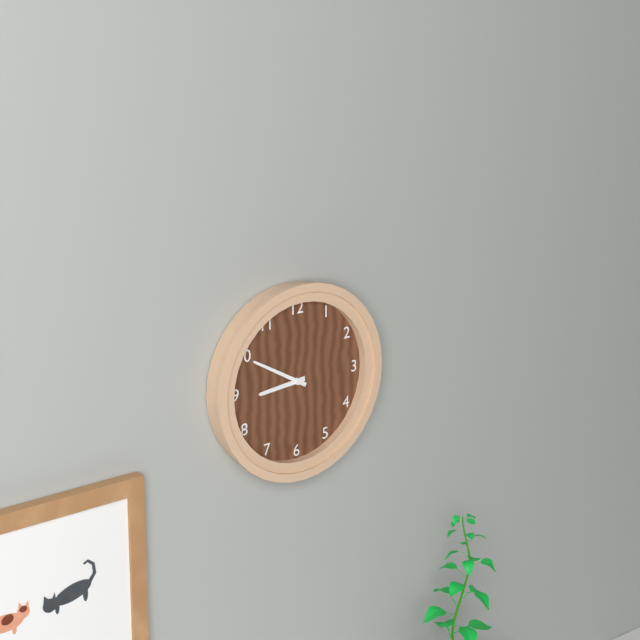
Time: {"hour": 8, "minute": 50}
